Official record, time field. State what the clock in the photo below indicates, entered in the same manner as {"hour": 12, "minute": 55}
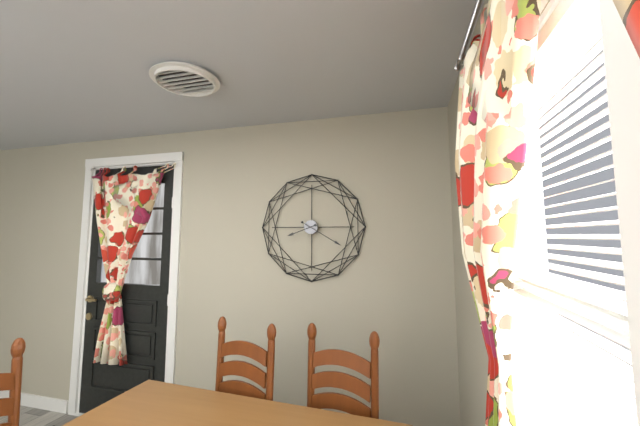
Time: {"hour": 8, "minute": 20}
